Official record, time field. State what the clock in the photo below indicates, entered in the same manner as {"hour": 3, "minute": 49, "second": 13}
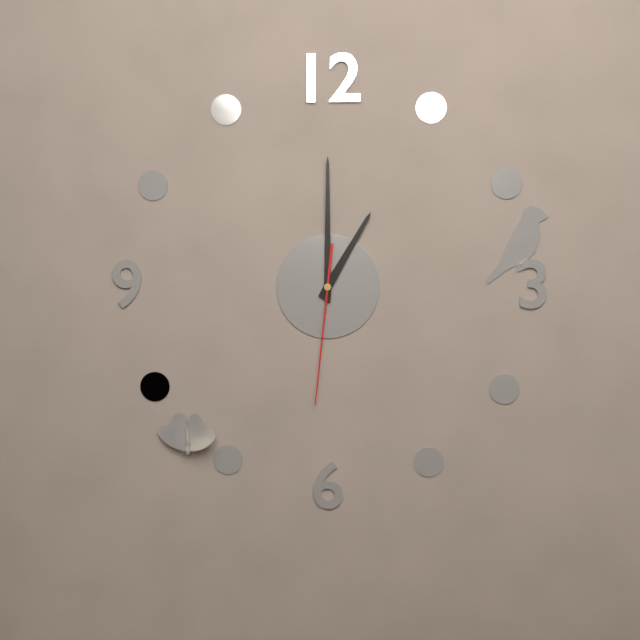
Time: {"hour": 1, "minute": 0, "second": 31}
